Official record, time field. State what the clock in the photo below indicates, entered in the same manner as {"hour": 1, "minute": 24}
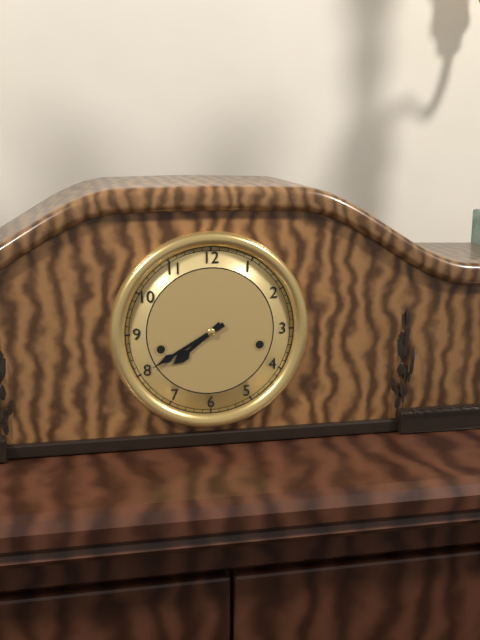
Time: {"hour": 7, "minute": 40}
